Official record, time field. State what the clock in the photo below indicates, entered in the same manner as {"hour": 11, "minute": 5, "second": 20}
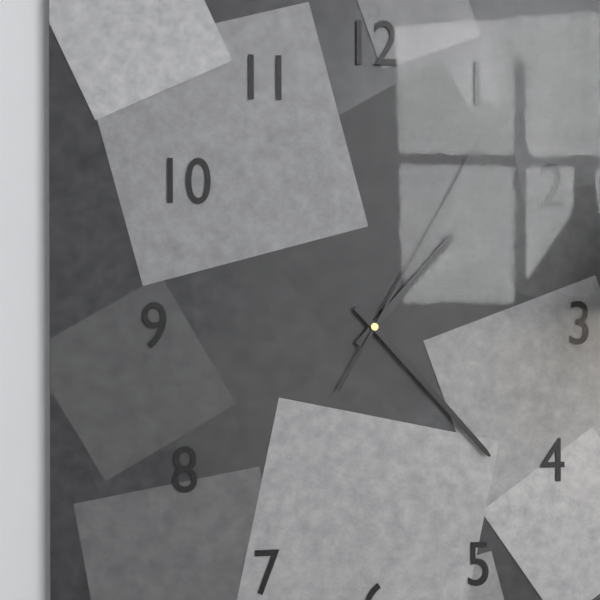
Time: {"hour": 1, "minute": 23, "second": 5}
